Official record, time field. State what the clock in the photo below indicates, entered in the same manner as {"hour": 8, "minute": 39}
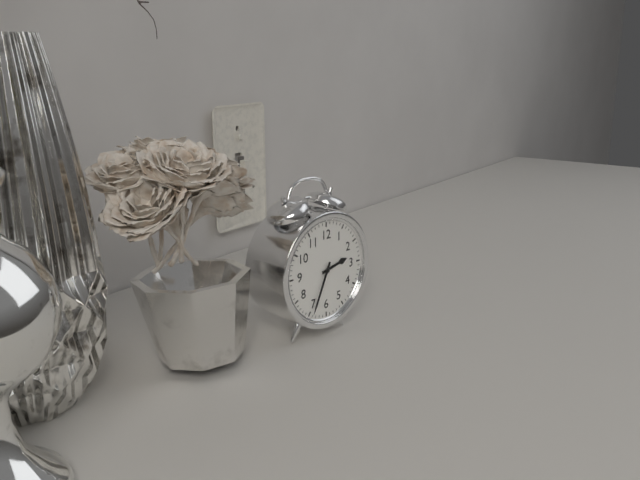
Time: {"hour": 2, "minute": 34}
